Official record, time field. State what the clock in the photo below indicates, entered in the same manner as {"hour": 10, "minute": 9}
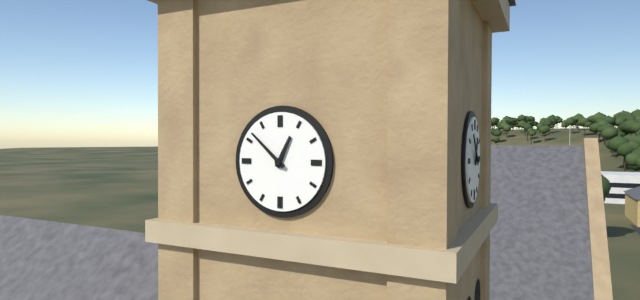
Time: {"hour": 12, "minute": 52}
